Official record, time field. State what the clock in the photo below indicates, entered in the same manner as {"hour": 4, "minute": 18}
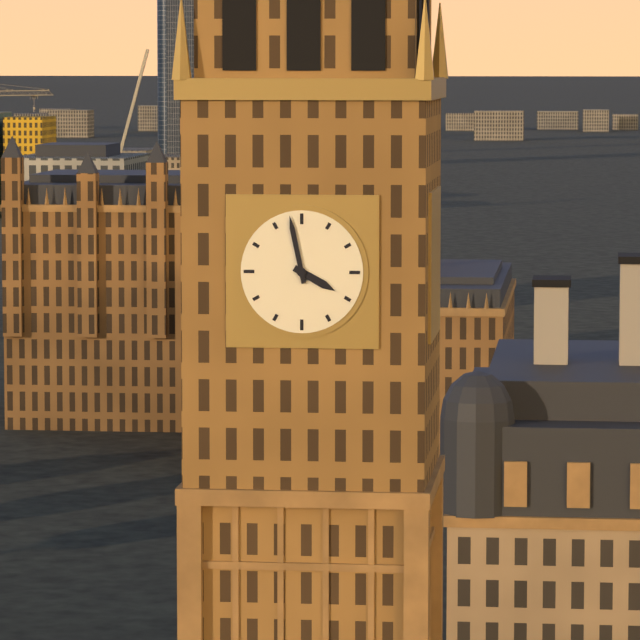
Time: {"hour": 3, "minute": 58}
